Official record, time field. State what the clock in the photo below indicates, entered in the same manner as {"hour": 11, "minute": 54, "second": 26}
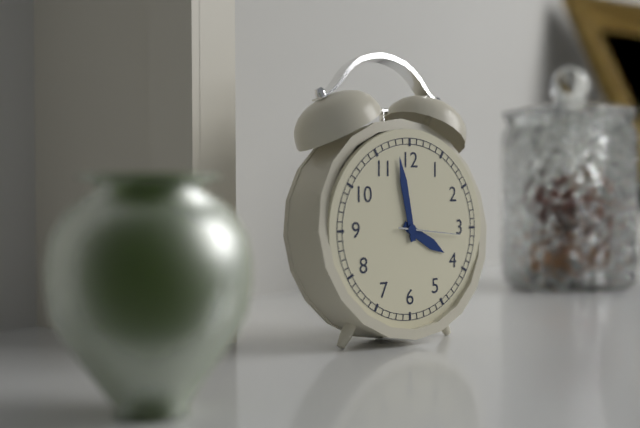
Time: {"hour": 3, "minute": 58, "second": 16}
